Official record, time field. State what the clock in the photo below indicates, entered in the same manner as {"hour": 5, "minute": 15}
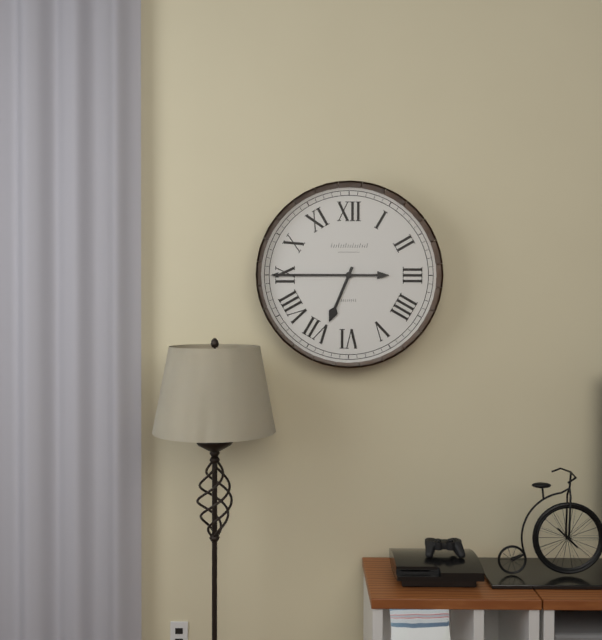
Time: {"hour": 6, "minute": 45}
